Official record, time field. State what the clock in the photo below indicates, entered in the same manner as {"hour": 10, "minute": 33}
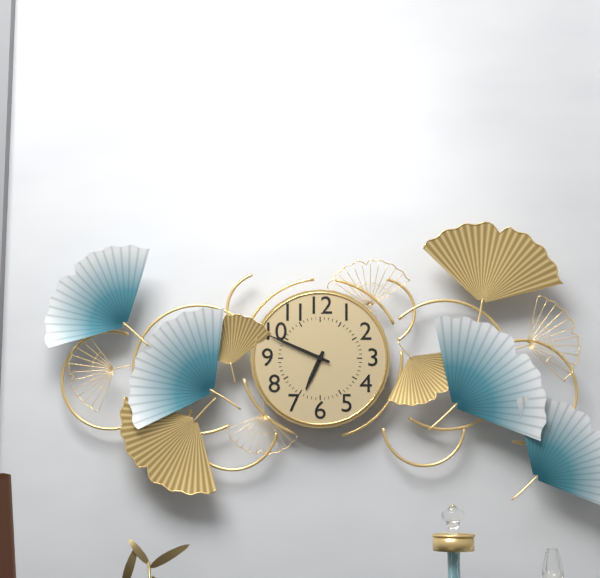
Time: {"hour": 6, "minute": 49}
